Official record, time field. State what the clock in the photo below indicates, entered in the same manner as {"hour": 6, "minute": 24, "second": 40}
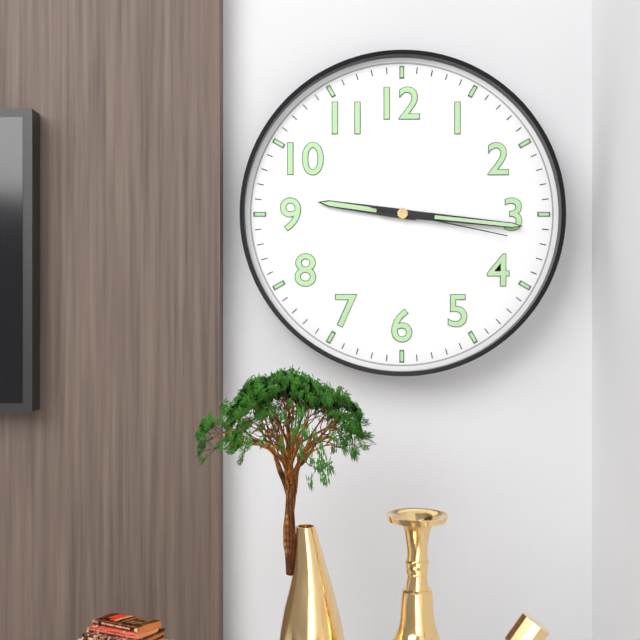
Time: {"hour": 9, "minute": 16, "second": 17}
